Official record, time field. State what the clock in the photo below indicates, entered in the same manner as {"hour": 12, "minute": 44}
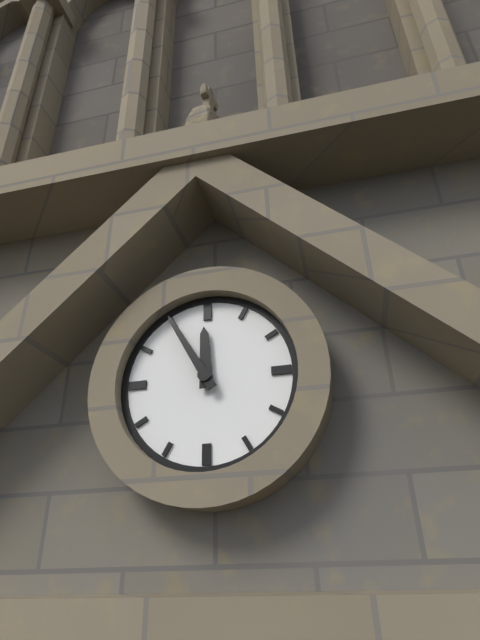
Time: {"hour": 11, "minute": 55}
